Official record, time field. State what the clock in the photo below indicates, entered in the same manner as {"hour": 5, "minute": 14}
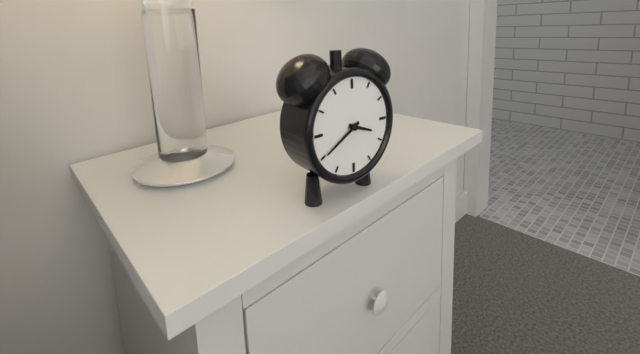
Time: {"hour": 3, "minute": 40}
